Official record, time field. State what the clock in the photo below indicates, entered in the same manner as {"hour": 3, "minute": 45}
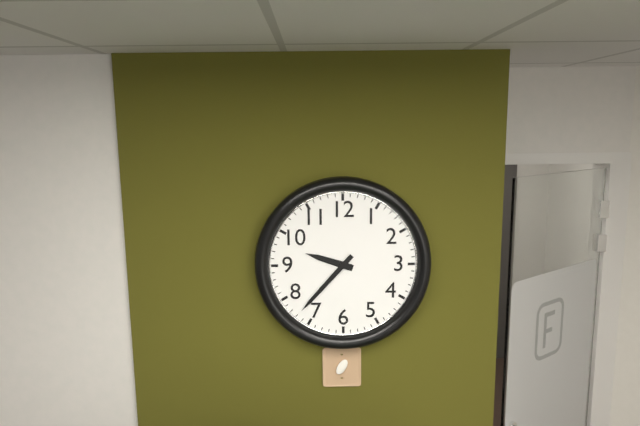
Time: {"hour": 9, "minute": 37}
